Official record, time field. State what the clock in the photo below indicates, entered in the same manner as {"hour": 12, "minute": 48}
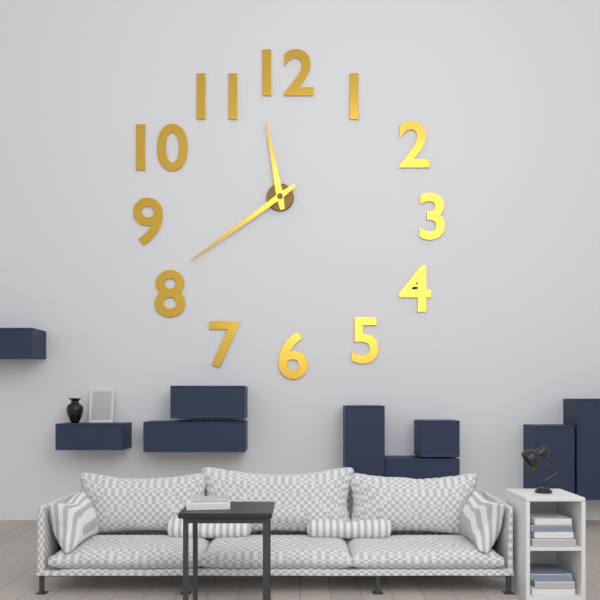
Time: {"hour": 11, "minute": 39}
